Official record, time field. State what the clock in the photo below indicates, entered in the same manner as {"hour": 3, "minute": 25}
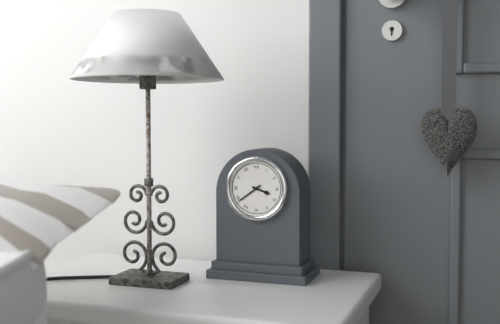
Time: {"hour": 3, "minute": 39}
